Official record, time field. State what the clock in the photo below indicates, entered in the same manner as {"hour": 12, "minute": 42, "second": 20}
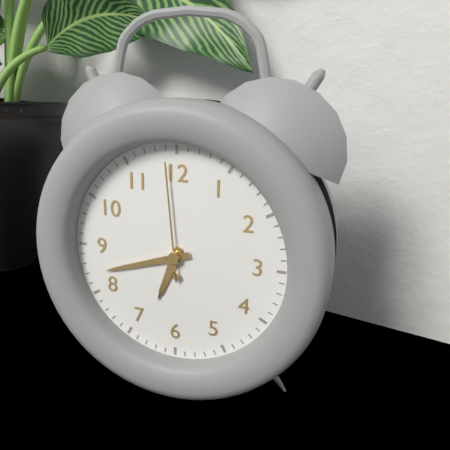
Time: {"hour": 6, "minute": 42, "second": 59}
